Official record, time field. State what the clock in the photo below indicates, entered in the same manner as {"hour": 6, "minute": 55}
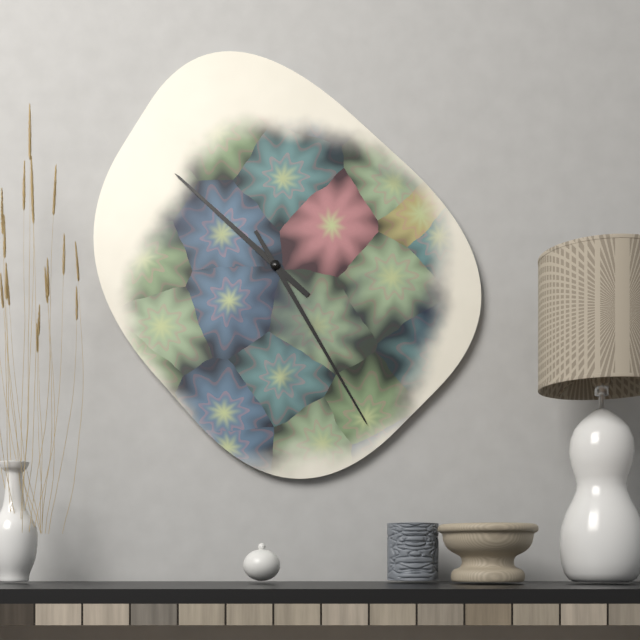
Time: {"hour": 10, "minute": 25}
